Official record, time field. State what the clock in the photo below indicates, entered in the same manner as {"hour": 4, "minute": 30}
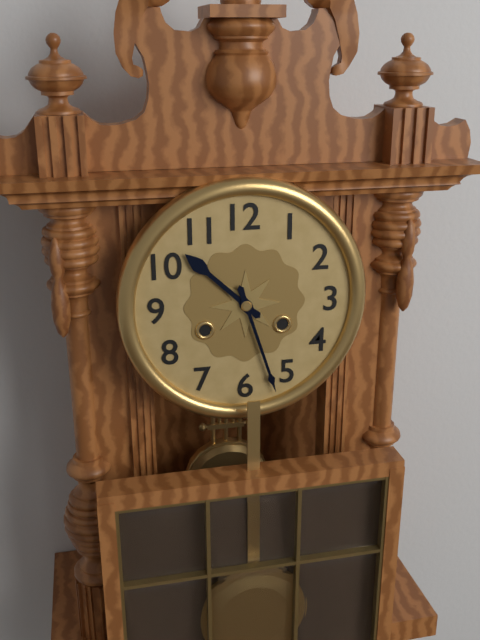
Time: {"hour": 10, "minute": 27}
